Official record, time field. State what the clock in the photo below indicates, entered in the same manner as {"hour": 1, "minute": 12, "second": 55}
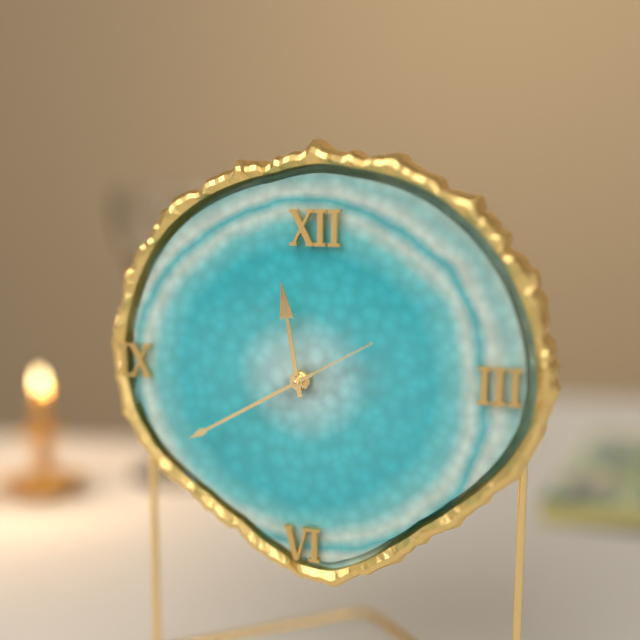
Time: {"hour": 11, "minute": 40, "second": 10}
